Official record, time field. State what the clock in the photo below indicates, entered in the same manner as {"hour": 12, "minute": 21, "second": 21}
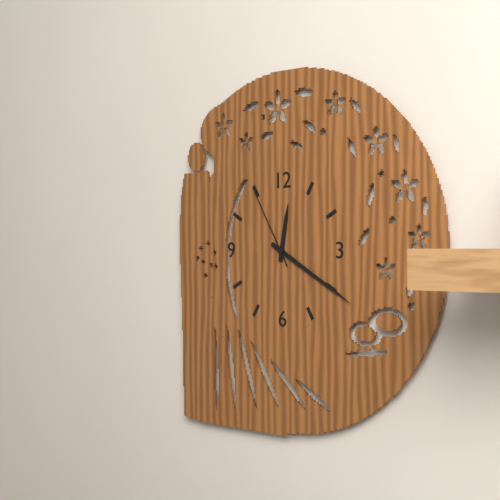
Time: {"hour": 12, "minute": 20, "second": 55}
